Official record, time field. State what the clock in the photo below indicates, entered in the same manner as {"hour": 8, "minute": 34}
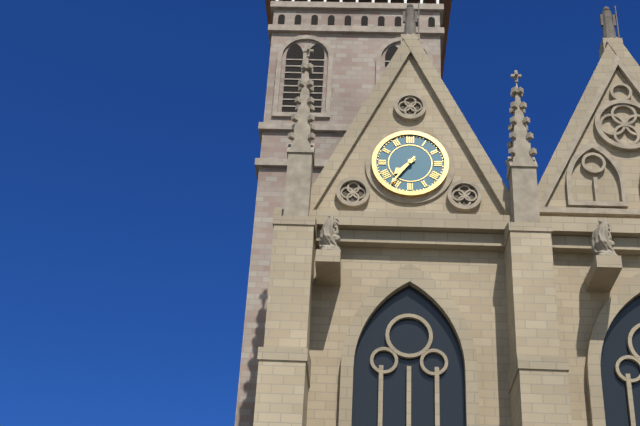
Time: {"hour": 7, "minute": 36}
